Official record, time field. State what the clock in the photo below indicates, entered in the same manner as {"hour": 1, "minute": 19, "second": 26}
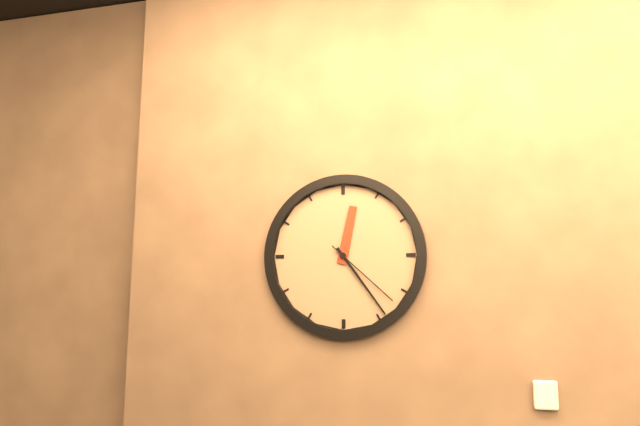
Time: {"hour": 12, "minute": 24, "second": 22}
